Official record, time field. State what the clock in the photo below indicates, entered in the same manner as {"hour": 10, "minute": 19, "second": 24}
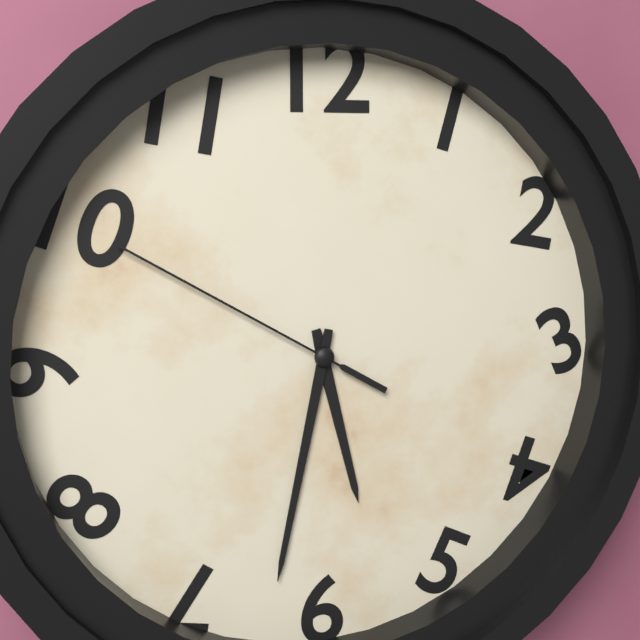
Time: {"hour": 5, "minute": 32, "second": 50}
